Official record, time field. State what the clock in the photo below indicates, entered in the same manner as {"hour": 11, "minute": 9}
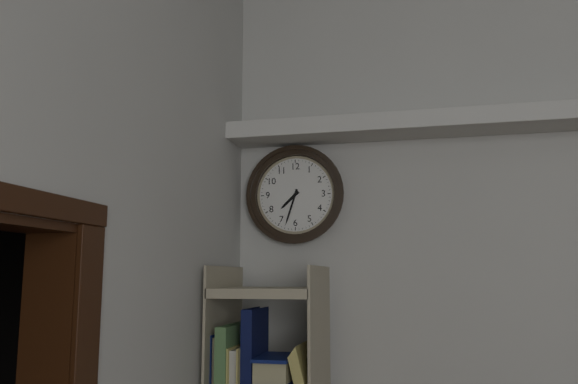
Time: {"hour": 7, "minute": 33}
